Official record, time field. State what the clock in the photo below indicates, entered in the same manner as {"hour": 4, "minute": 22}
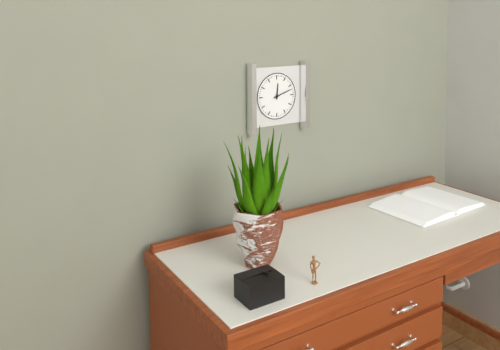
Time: {"hour": 12, "minute": 12}
